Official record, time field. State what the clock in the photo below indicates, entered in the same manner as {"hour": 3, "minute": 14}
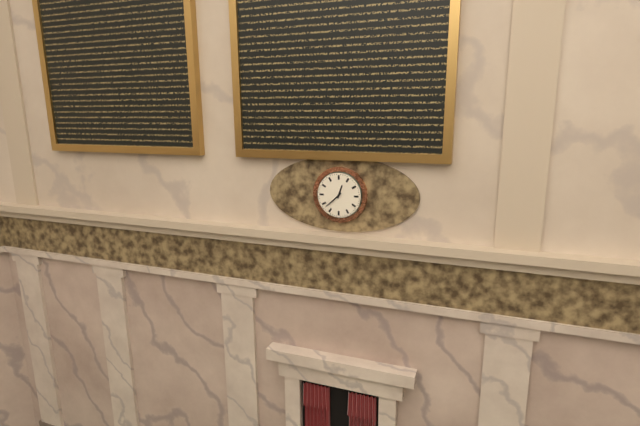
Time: {"hour": 12, "minute": 38}
